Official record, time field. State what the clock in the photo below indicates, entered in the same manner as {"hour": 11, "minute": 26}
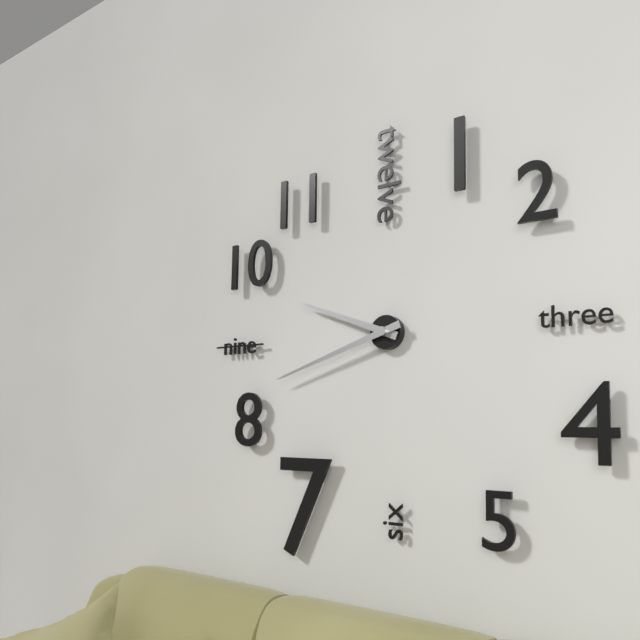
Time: {"hour": 9, "minute": 42}
